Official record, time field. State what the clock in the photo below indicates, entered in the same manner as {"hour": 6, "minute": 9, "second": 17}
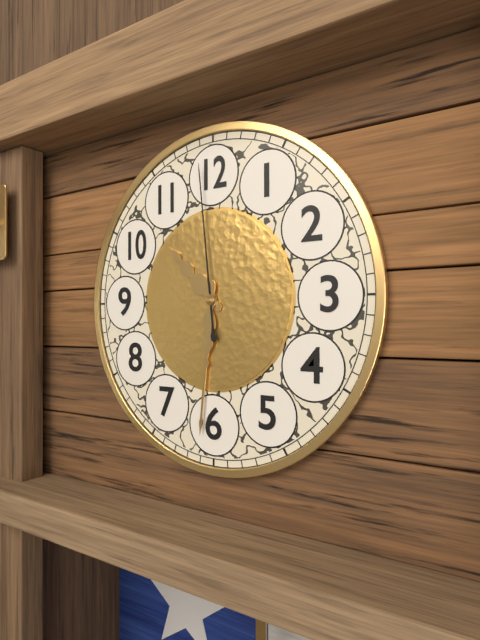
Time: {"hour": 10, "minute": 31, "second": 59}
